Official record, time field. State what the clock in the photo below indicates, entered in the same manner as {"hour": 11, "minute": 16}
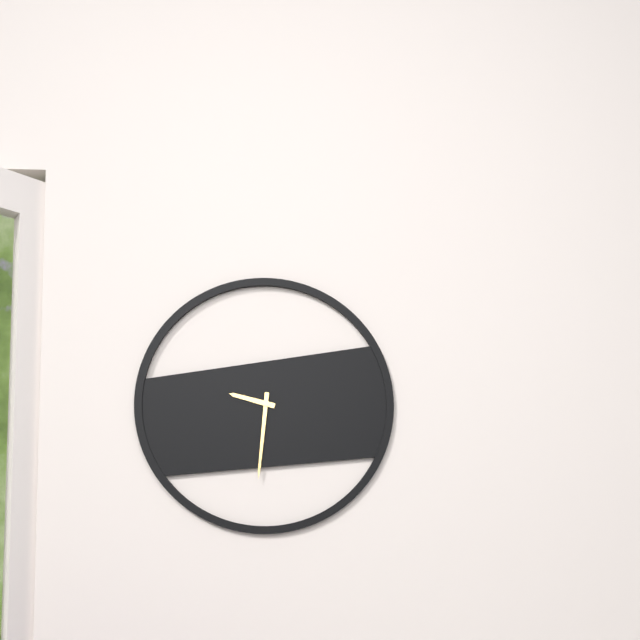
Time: {"hour": 9, "minute": 31}
